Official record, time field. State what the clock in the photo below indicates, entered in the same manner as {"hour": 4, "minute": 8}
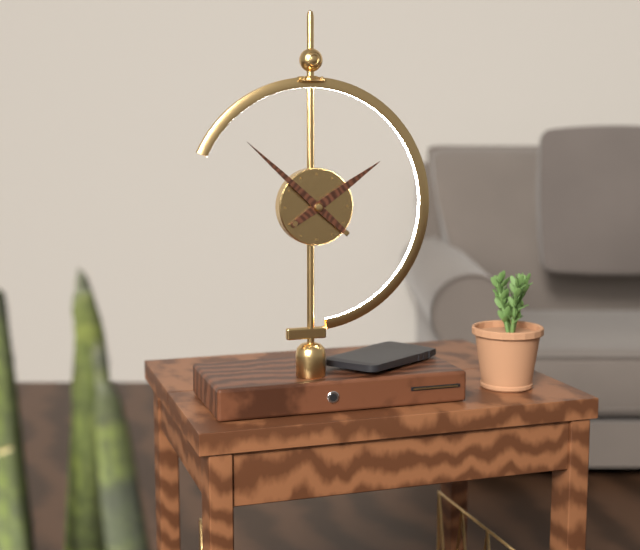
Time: {"hour": 1, "minute": 52}
